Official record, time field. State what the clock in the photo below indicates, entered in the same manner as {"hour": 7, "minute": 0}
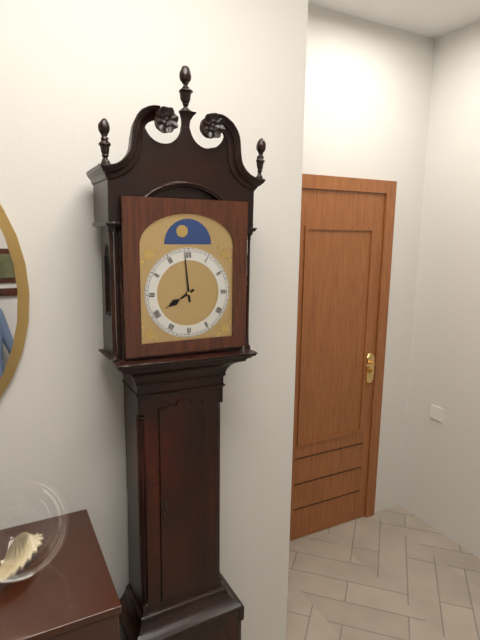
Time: {"hour": 7, "minute": 59}
